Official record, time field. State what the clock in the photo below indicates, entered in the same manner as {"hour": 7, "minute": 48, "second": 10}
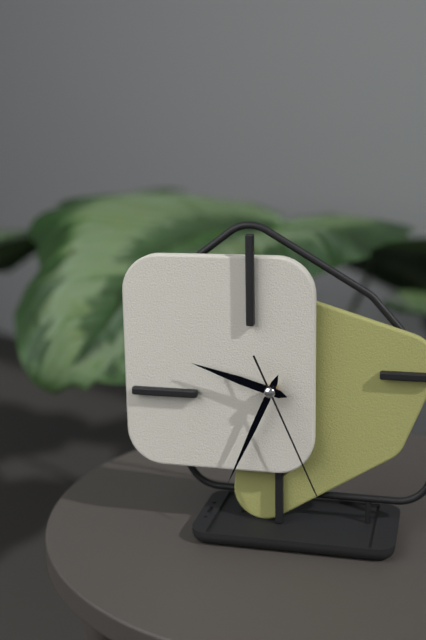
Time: {"hour": 9, "minute": 34, "second": 26}
